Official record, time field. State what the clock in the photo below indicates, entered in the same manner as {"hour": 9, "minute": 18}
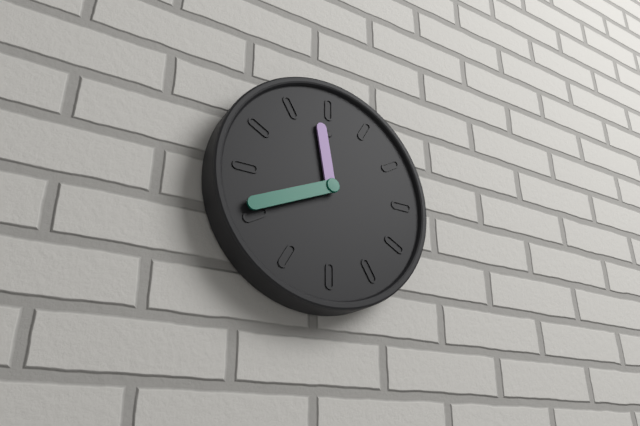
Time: {"hour": 11, "minute": 41}
